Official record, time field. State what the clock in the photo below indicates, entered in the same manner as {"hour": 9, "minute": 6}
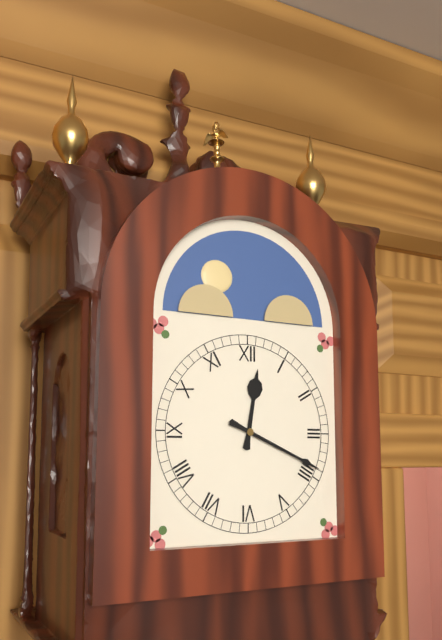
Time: {"hour": 12, "minute": 19}
